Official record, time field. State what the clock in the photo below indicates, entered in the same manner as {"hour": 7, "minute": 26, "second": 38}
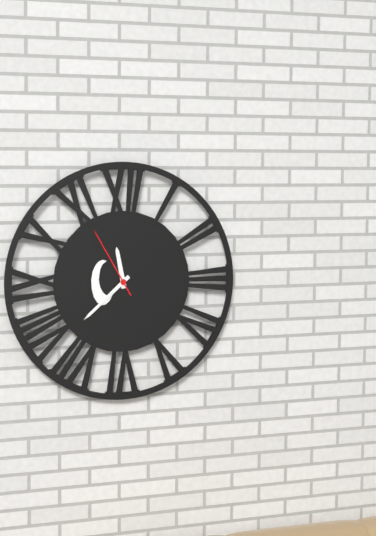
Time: {"hour": 11, "minute": 38, "second": 55}
